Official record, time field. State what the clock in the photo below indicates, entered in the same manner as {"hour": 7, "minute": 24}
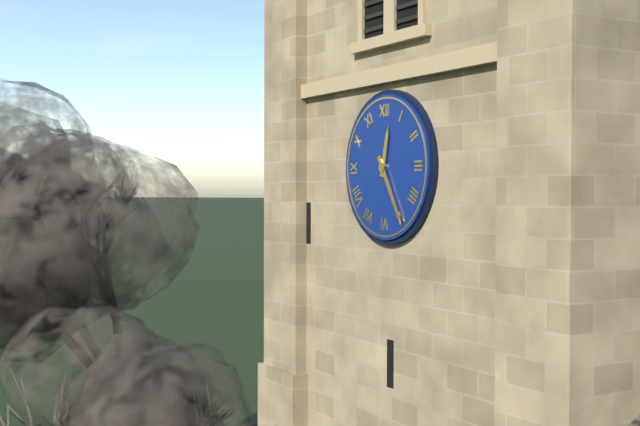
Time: {"hour": 12, "minute": 25}
